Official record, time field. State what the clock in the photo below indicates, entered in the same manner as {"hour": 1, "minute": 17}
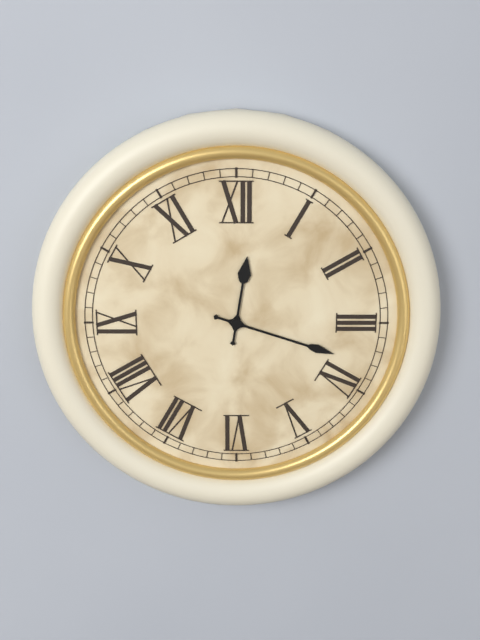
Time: {"hour": 12, "minute": 18}
